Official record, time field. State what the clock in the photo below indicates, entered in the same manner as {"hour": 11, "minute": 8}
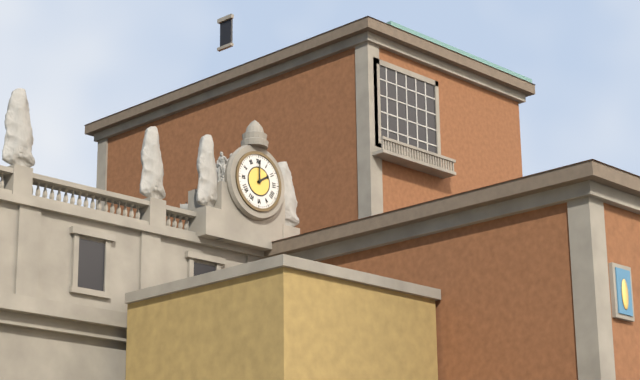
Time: {"hour": 2, "minute": 0}
